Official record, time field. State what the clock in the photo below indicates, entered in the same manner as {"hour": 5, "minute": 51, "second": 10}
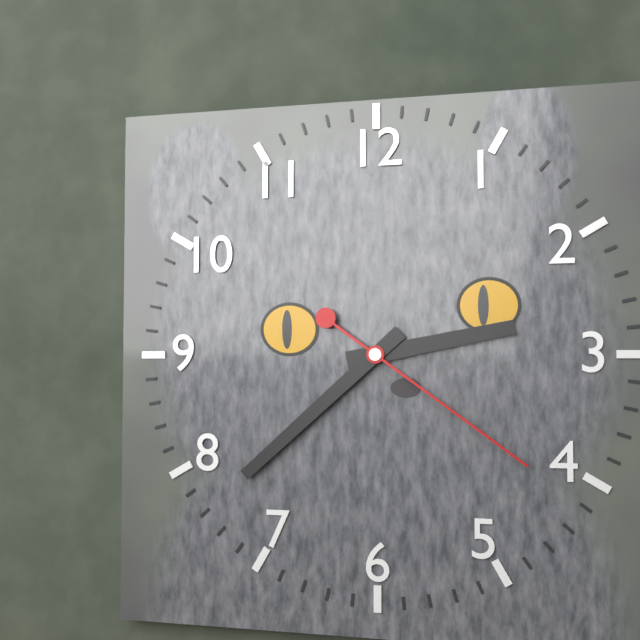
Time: {"hour": 2, "minute": 38, "second": 21}
